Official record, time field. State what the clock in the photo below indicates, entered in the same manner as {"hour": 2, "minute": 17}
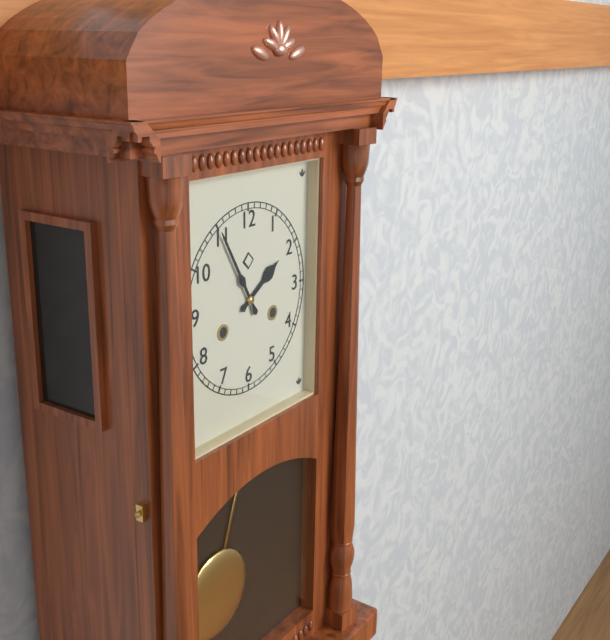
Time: {"hour": 1, "minute": 55}
